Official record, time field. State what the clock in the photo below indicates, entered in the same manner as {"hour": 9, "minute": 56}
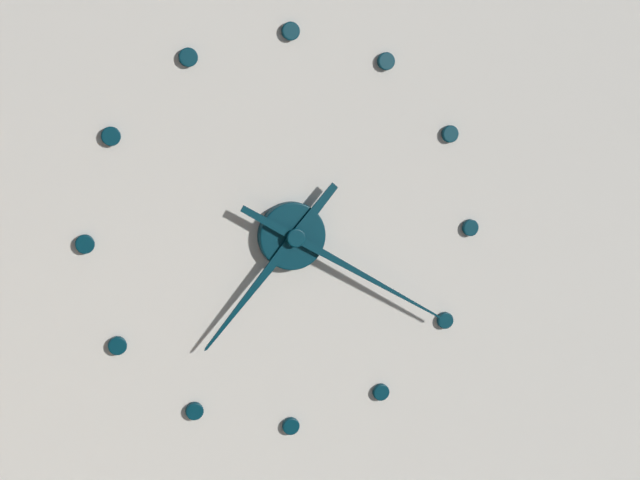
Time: {"hour": 7, "minute": 20}
